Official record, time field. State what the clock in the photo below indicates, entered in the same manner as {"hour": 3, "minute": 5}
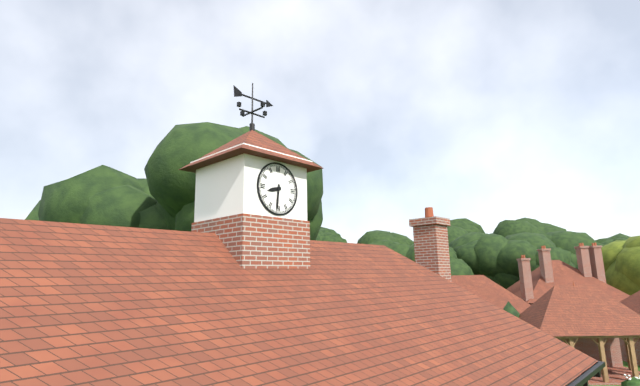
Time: {"hour": 8, "minute": 31}
